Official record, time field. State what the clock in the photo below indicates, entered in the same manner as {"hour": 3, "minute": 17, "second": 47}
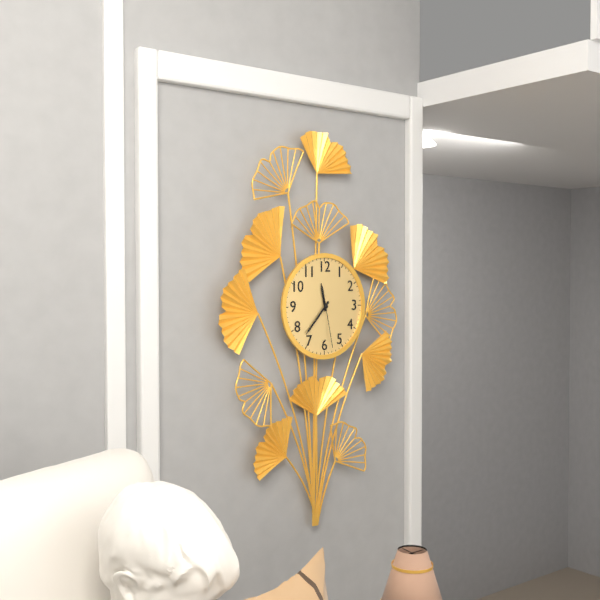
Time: {"hour": 11, "minute": 37, "second": 28}
